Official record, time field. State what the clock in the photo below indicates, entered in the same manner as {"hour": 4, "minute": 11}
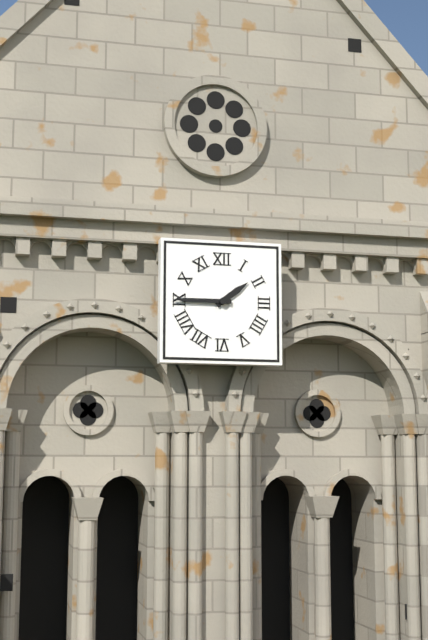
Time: {"hour": 1, "minute": 45}
